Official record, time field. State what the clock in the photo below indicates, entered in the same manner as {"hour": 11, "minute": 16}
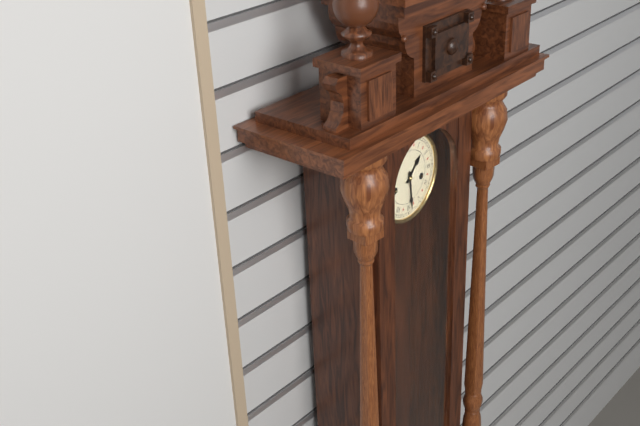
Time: {"hour": 1, "minute": 29}
